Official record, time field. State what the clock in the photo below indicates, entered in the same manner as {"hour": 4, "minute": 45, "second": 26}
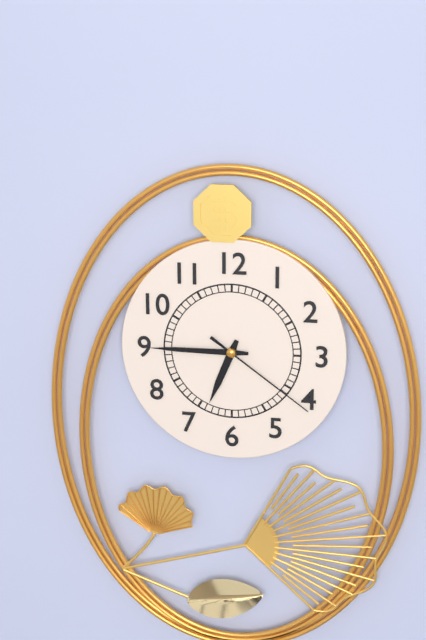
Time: {"hour": 6, "minute": 45, "second": 21}
